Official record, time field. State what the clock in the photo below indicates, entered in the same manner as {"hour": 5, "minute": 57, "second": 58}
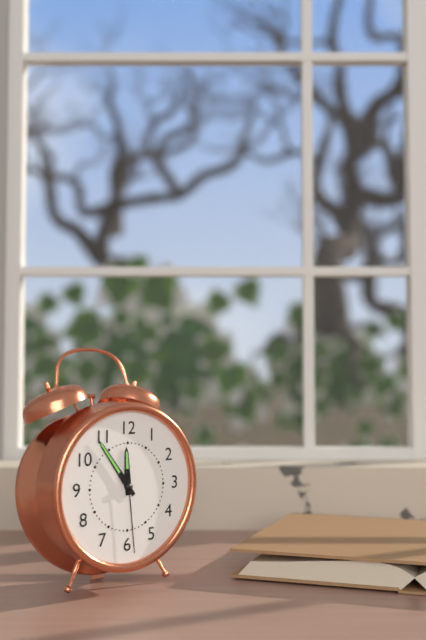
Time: {"hour": 11, "minute": 54, "second": 29}
